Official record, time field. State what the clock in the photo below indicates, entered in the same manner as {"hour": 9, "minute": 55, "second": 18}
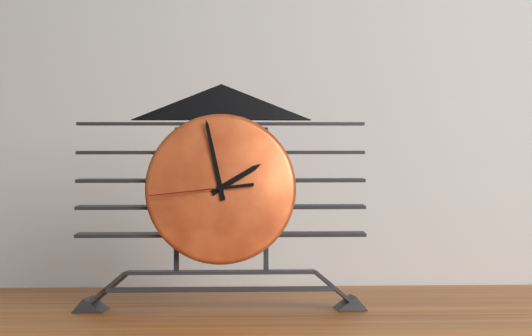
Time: {"hour": 1, "minute": 58, "second": 44}
